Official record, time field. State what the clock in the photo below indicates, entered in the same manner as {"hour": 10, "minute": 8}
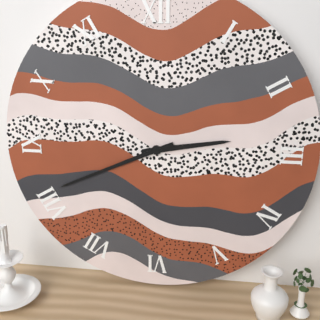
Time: {"hour": 2, "minute": 41}
